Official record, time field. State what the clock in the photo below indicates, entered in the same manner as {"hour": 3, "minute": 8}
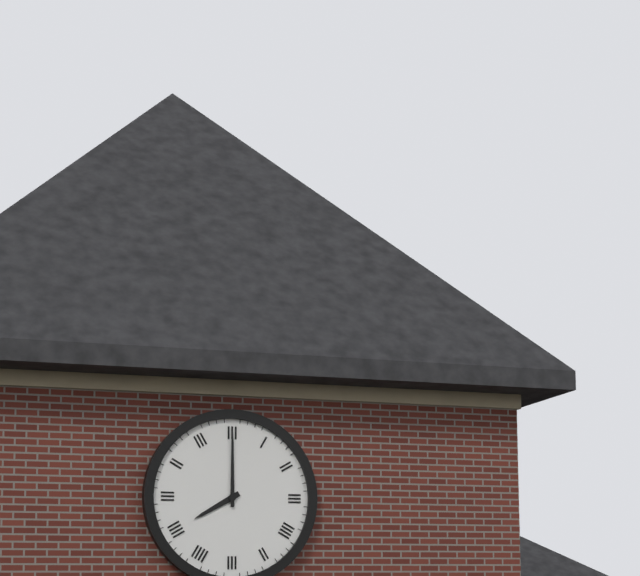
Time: {"hour": 8, "minute": 0}
